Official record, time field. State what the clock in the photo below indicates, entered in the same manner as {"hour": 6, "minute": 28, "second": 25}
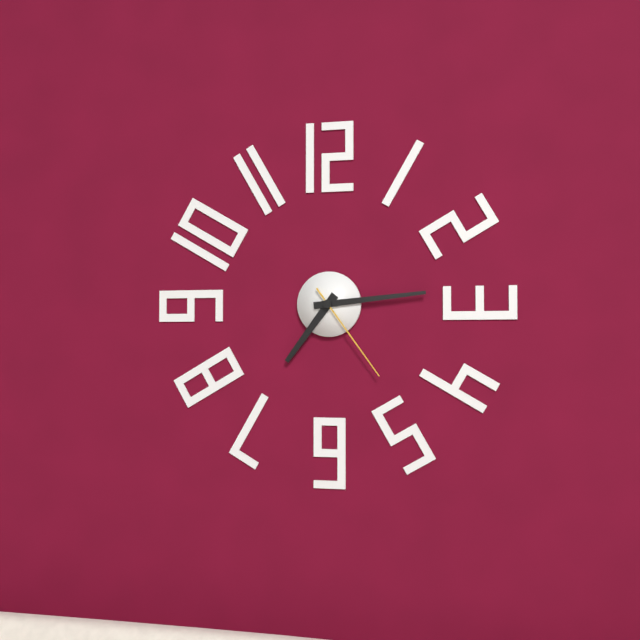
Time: {"hour": 7, "minute": 14, "second": 24}
